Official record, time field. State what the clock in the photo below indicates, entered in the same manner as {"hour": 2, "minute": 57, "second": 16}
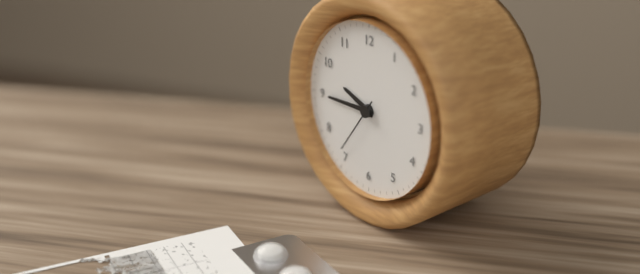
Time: {"hour": 9, "minute": 45, "second": 36}
